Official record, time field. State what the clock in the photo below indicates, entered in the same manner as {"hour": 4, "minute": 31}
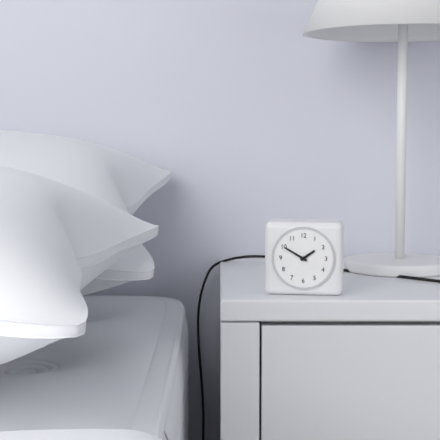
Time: {"hour": 1, "minute": 50}
